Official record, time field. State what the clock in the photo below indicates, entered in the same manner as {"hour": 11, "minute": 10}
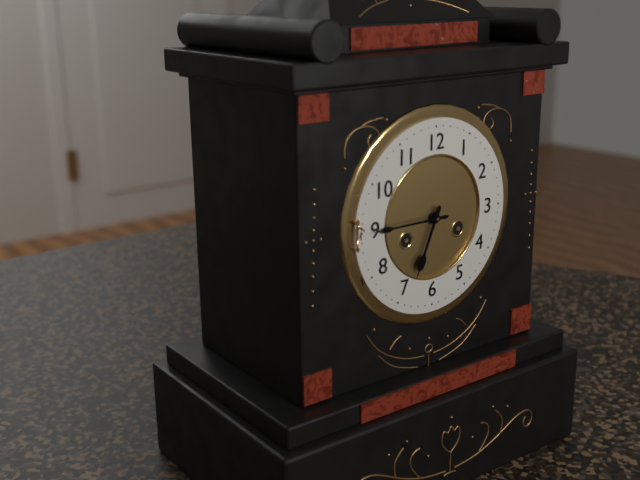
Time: {"hour": 6, "minute": 45}
